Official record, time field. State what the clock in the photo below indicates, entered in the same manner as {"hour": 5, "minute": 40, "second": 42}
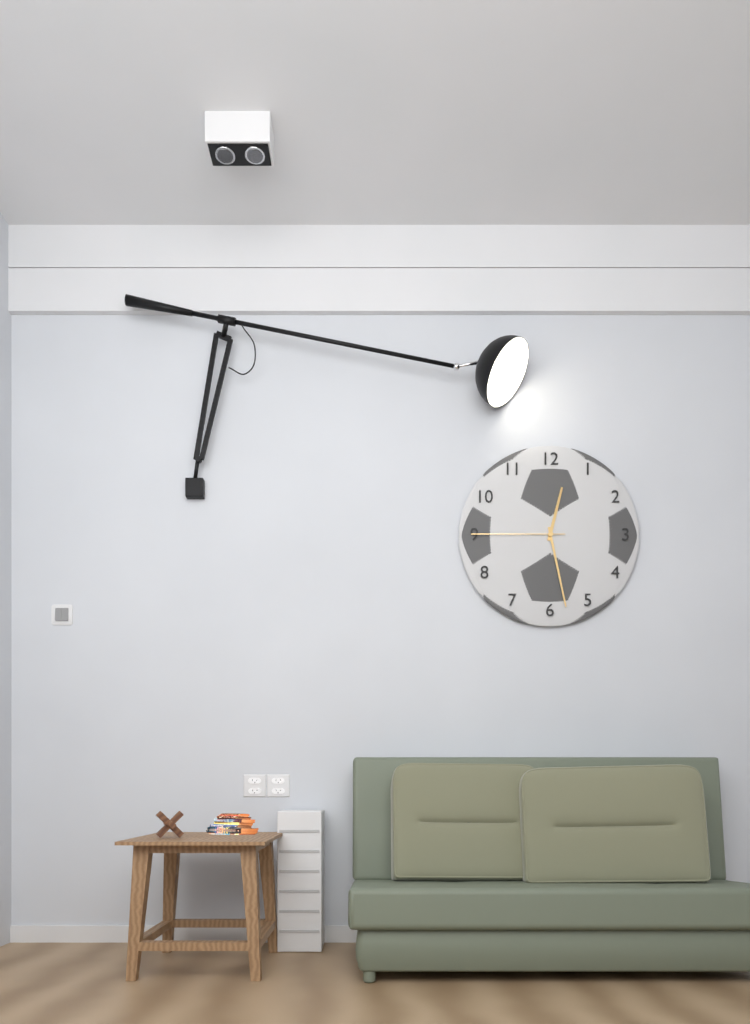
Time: {"hour": 12, "minute": 28, "second": 45}
